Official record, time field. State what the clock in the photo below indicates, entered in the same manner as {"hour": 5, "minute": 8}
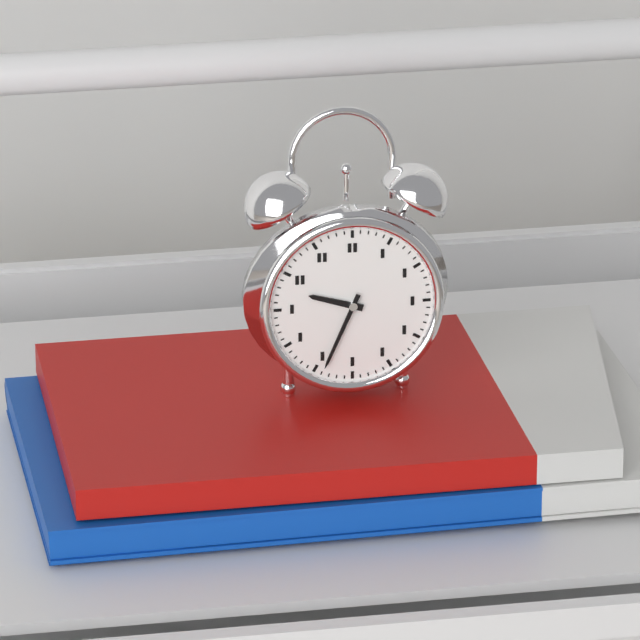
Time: {"hour": 9, "minute": 34}
